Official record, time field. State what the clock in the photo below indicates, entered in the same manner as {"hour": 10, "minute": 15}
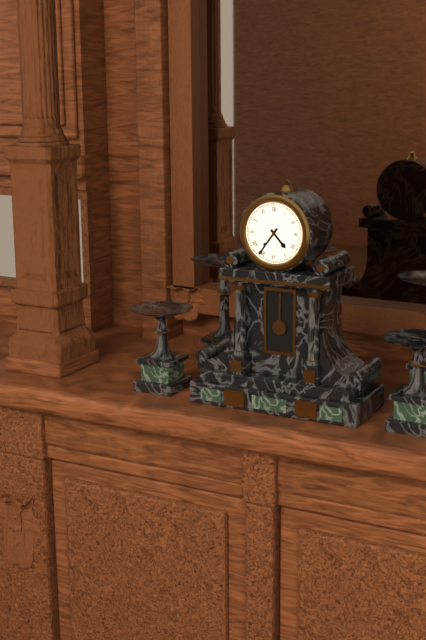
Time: {"hour": 4, "minute": 36}
